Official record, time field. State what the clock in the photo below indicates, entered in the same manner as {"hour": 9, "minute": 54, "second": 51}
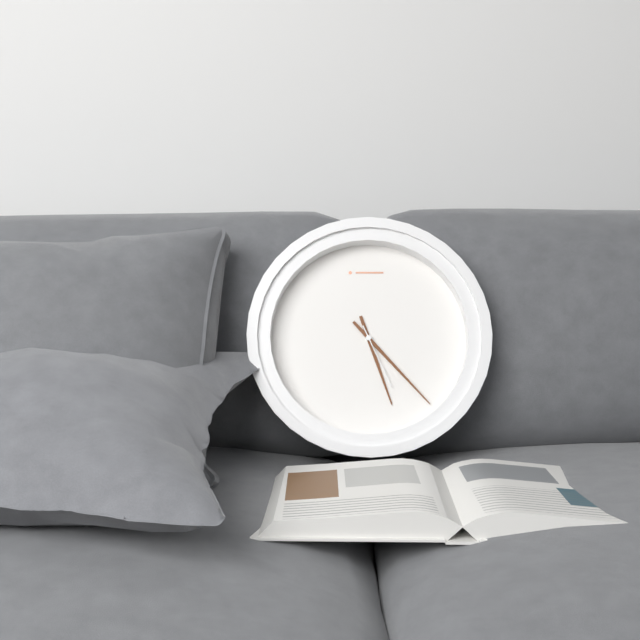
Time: {"hour": 5, "minute": 23, "second": 26}
